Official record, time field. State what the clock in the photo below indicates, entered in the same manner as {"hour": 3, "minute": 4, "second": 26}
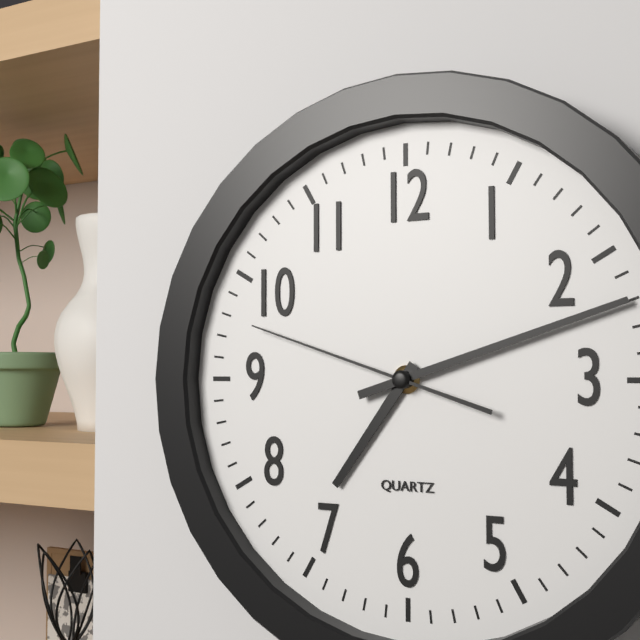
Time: {"hour": 7, "minute": 12, "second": 48}
